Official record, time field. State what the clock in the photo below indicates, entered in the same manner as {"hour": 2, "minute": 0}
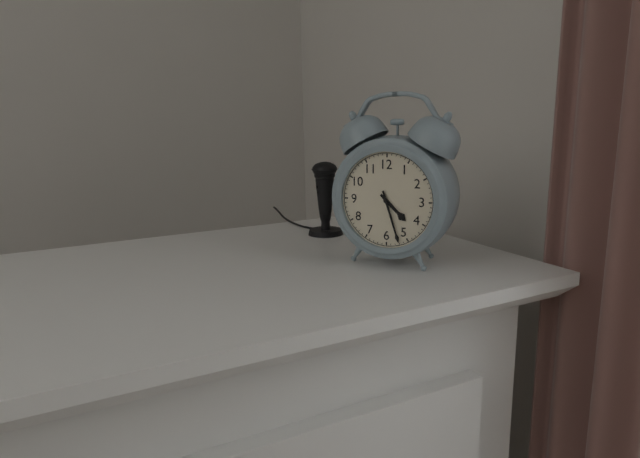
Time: {"hour": 4, "minute": 27}
